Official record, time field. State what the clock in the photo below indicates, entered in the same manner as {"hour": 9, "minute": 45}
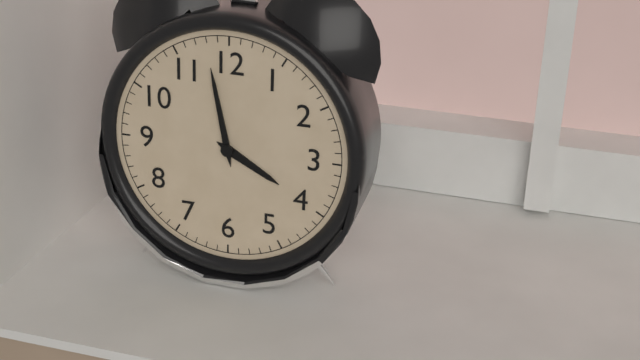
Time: {"hour": 3, "minute": 58}
